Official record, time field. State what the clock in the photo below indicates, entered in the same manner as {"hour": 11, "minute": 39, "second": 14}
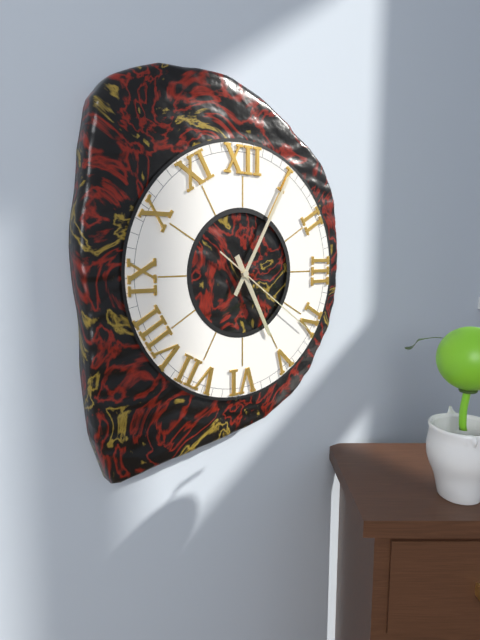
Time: {"hour": 5, "minute": 5, "second": 21}
